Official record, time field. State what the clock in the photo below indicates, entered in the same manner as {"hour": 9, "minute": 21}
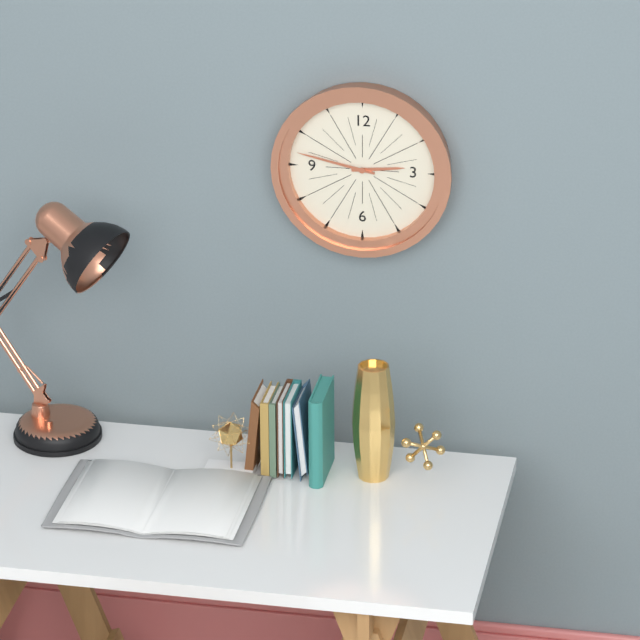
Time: {"hour": 2, "minute": 47}
